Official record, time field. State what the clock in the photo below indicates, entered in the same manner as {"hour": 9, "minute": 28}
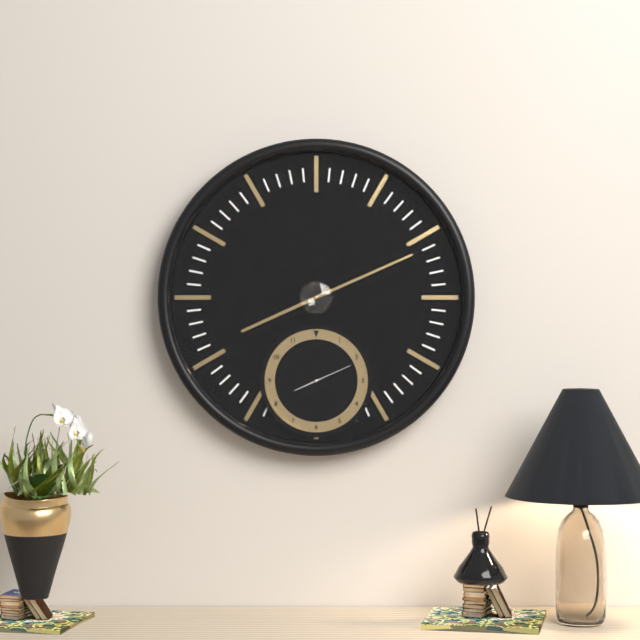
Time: {"hour": 8, "minute": 11}
